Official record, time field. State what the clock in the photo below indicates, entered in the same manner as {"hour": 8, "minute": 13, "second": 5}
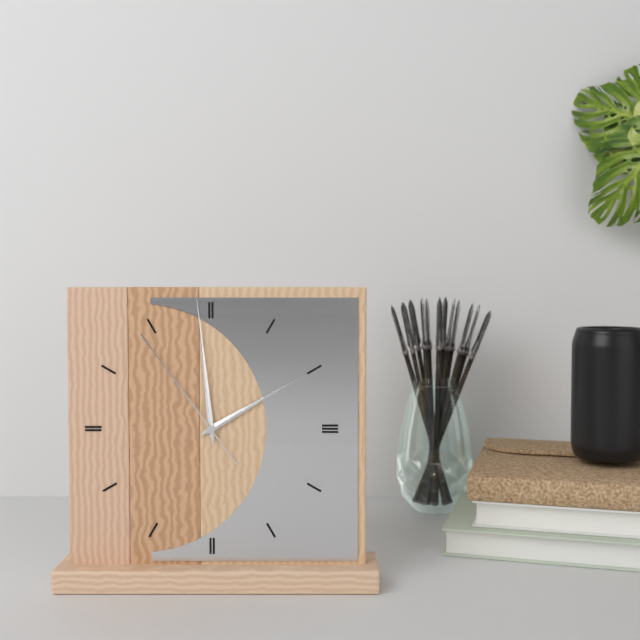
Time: {"hour": 1, "minute": 59, "second": 54}
